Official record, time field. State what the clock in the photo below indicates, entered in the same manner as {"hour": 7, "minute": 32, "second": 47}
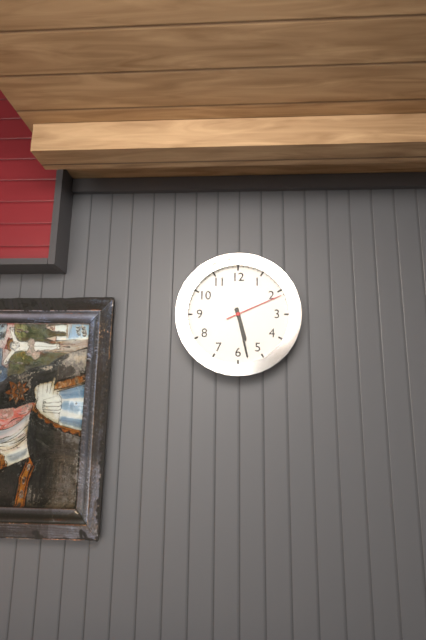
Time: {"hour": 5, "minute": 28, "second": 11}
